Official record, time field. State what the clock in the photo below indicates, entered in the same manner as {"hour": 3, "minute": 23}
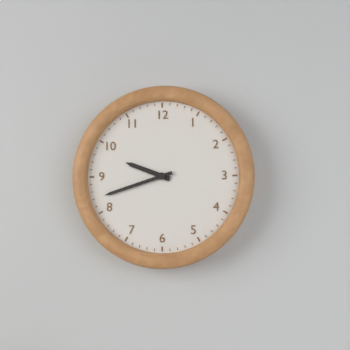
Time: {"hour": 9, "minute": 42}
